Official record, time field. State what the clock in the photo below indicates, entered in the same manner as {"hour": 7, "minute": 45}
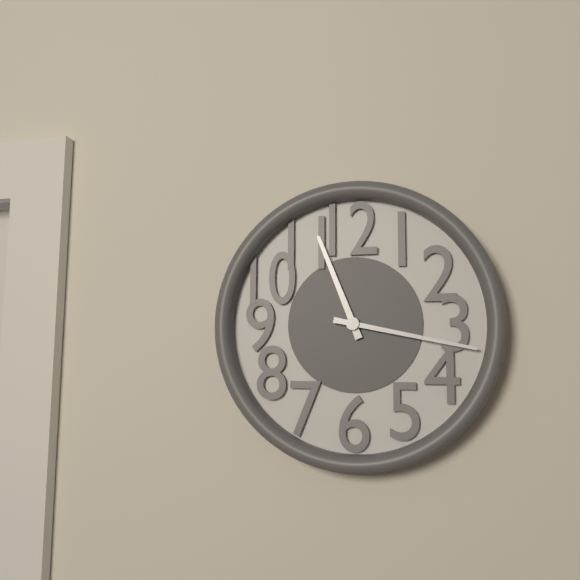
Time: {"hour": 11, "minute": 17}
